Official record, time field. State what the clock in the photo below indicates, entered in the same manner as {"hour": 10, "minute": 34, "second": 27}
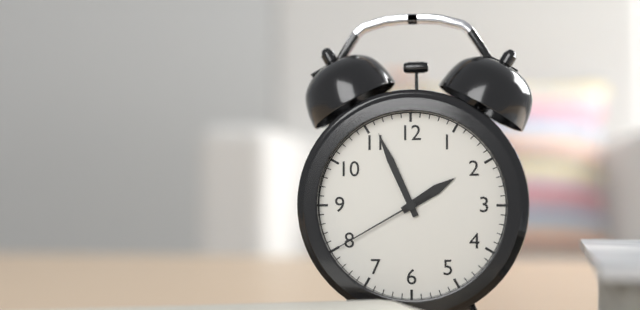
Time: {"hour": 1, "minute": 56, "second": 40}
